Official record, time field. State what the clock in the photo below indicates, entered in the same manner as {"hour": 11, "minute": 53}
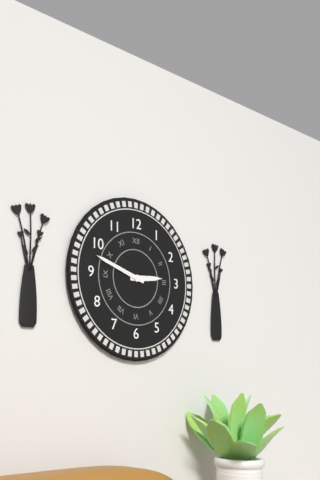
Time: {"hour": 2, "minute": 48}
